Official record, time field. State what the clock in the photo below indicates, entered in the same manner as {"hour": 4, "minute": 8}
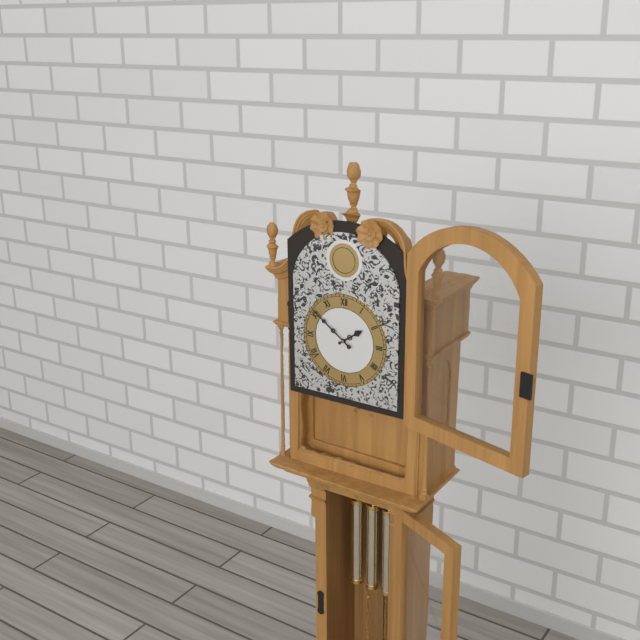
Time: {"hour": 1, "minute": 51}
